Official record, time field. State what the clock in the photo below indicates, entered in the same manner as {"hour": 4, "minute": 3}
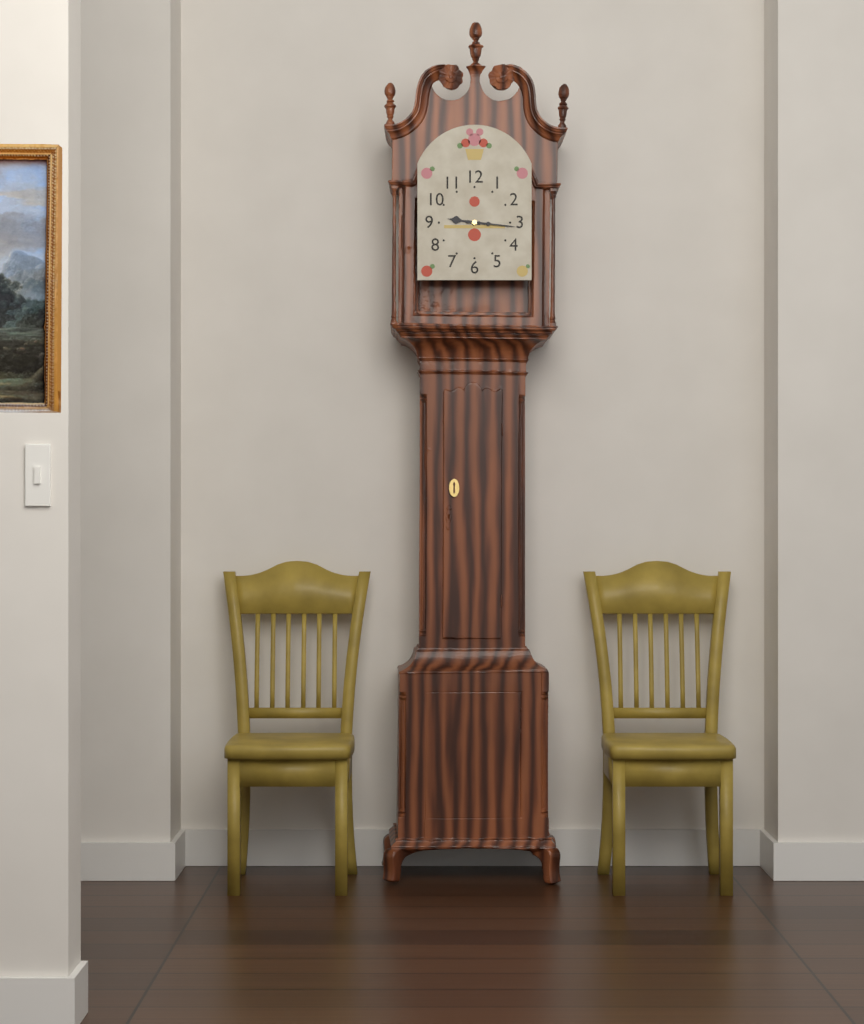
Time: {"hour": 9, "minute": 16}
